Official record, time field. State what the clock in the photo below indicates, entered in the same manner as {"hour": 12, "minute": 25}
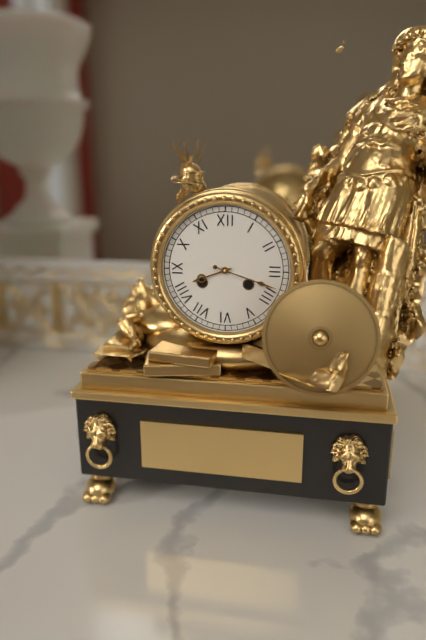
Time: {"hour": 8, "minute": 18}
